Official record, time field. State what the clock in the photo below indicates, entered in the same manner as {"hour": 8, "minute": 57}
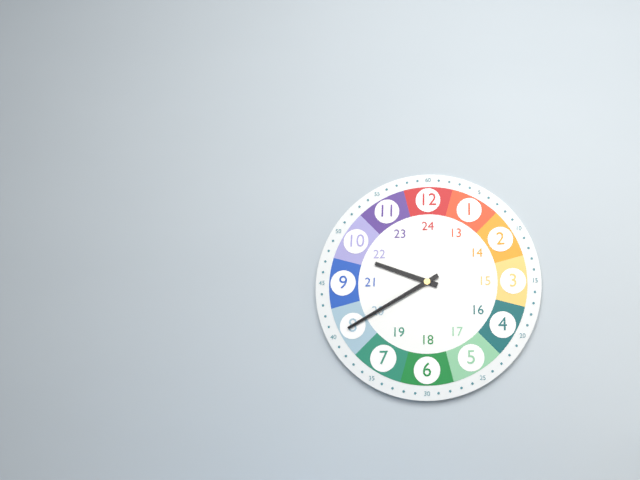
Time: {"hour": 9, "minute": 40}
